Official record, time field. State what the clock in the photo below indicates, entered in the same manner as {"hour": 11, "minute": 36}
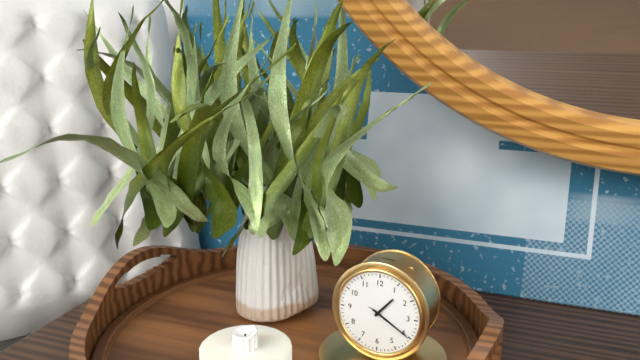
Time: {"hour": 1, "minute": 20}
